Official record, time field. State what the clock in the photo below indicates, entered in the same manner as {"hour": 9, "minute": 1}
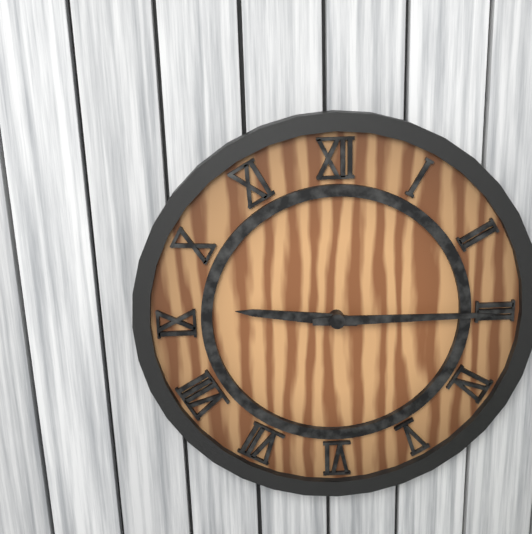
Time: {"hour": 9, "minute": 15}
